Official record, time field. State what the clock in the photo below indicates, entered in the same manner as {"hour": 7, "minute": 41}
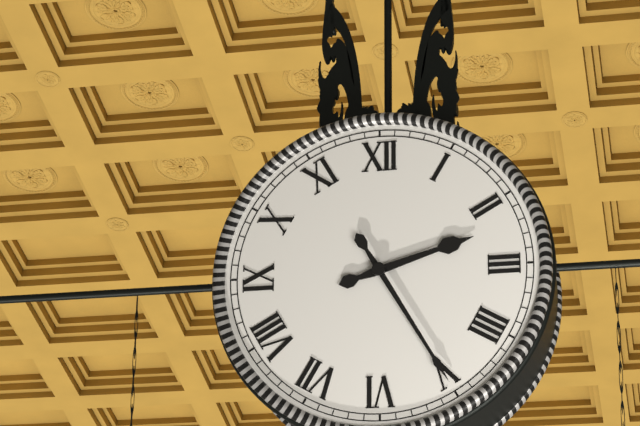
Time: {"hour": 2, "minute": 25}
